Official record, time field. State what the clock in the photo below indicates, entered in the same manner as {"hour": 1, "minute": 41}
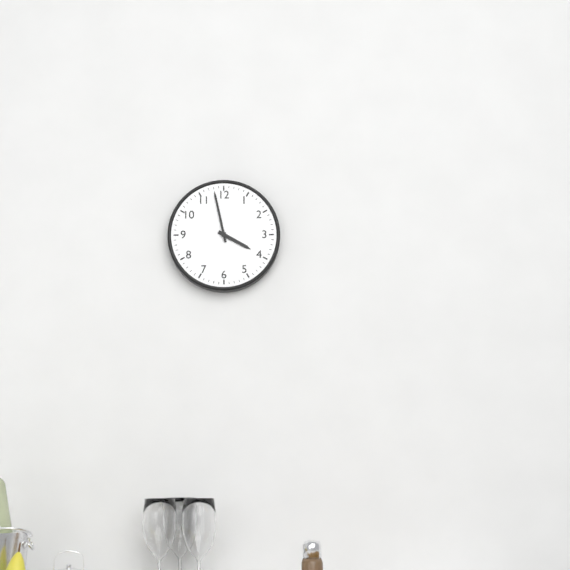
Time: {"hour": 3, "minute": 58}
